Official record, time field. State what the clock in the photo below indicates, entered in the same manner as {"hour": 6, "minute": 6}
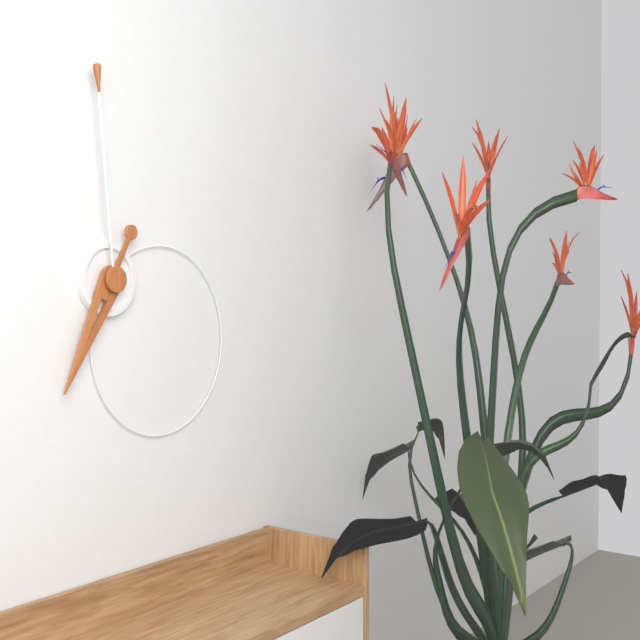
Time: {"hour": 6, "minute": 59}
